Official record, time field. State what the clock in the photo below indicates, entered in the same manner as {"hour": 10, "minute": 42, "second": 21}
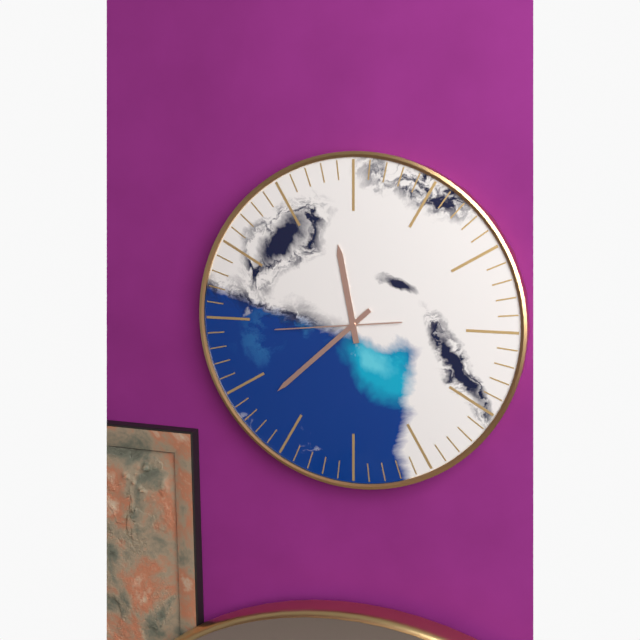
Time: {"hour": 11, "minute": 38, "second": 44}
